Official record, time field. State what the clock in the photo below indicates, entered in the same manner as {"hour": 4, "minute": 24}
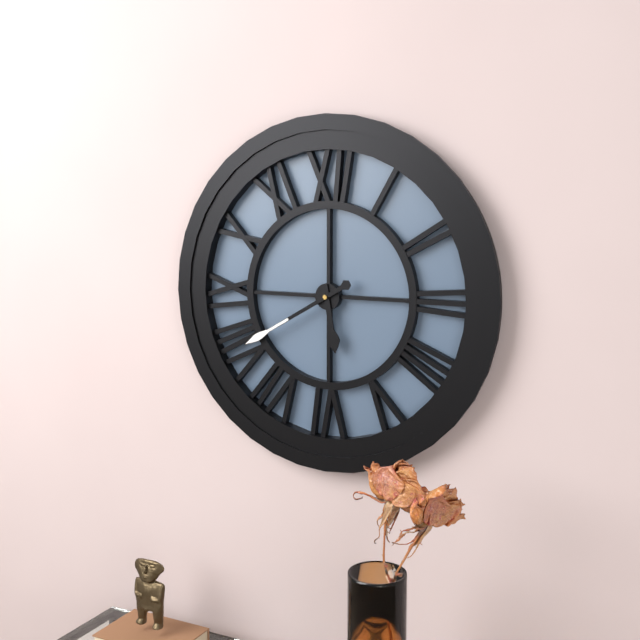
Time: {"hour": 5, "minute": 40}
